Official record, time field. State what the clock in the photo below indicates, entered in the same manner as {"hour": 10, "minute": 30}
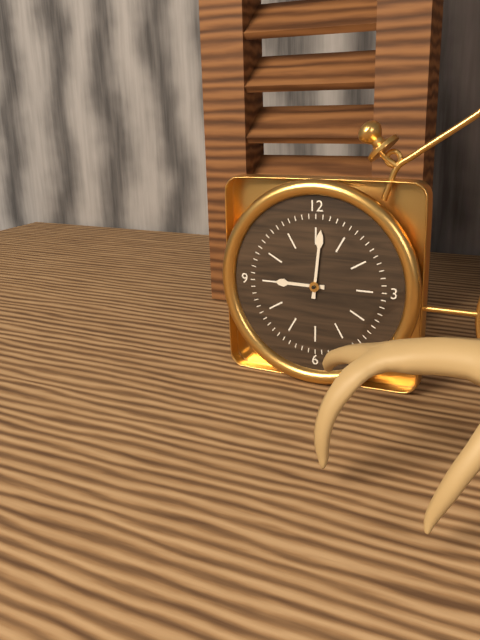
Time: {"hour": 9, "minute": 1}
